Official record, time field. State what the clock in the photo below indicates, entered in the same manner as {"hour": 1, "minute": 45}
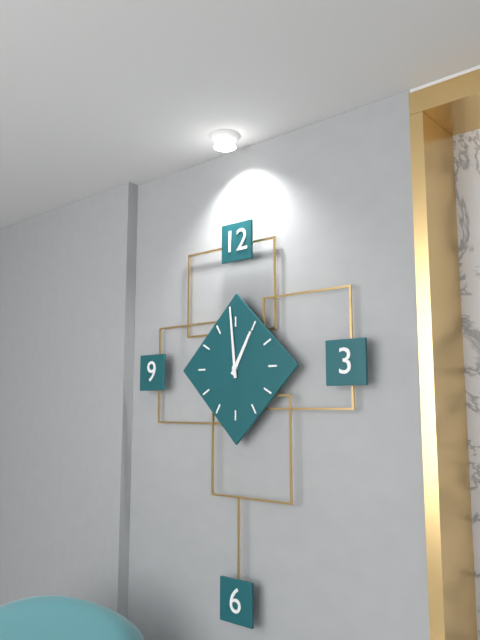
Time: {"hour": 12, "minute": 59}
